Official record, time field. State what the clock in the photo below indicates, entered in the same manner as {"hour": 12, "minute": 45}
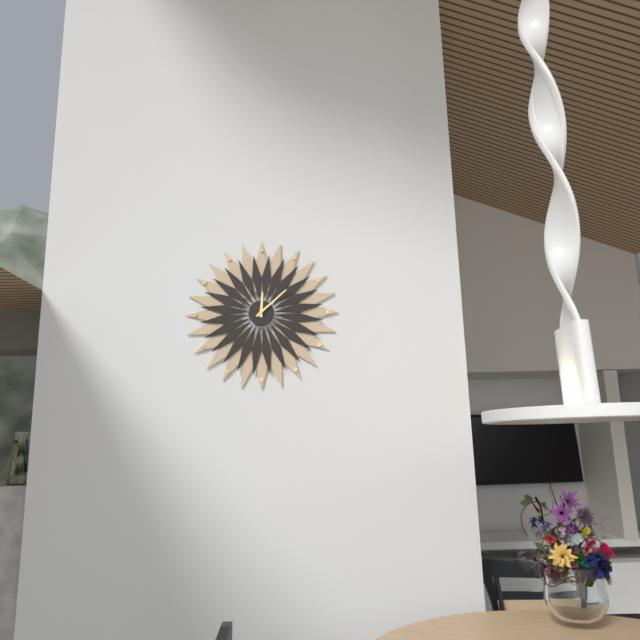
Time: {"hour": 12, "minute": 8}
